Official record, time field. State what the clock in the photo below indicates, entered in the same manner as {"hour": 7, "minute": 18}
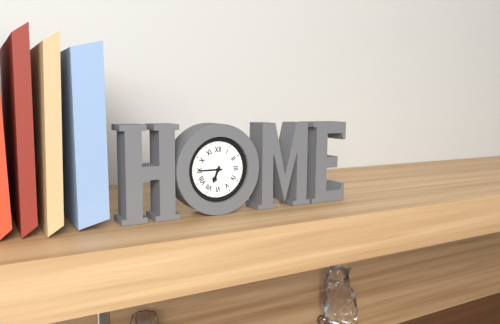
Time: {"hour": 6, "minute": 45}
